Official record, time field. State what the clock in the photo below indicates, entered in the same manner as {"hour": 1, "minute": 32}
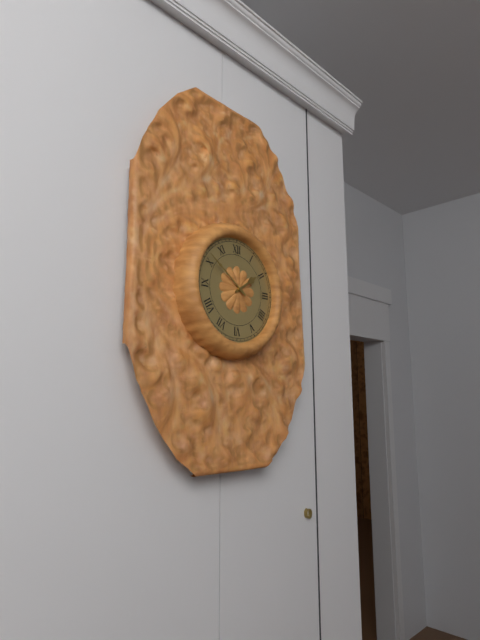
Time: {"hour": 1, "minute": 51}
